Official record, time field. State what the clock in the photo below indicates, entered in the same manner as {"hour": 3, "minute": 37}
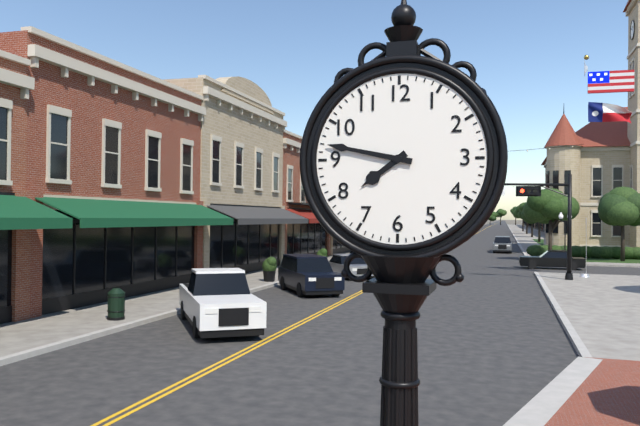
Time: {"hour": 7, "minute": 47}
